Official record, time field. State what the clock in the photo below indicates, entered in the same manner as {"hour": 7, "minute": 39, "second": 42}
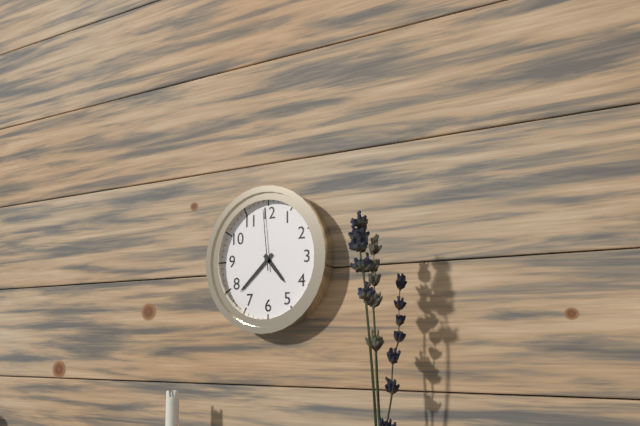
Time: {"hour": 4, "minute": 38, "second": 59}
